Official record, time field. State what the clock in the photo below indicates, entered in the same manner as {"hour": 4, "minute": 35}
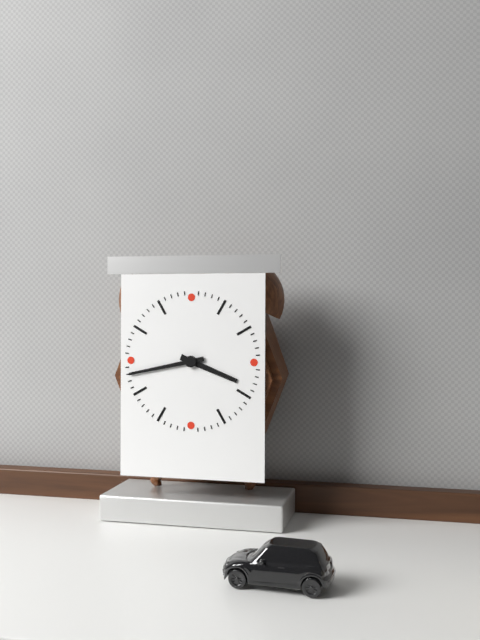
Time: {"hour": 3, "minute": 43}
